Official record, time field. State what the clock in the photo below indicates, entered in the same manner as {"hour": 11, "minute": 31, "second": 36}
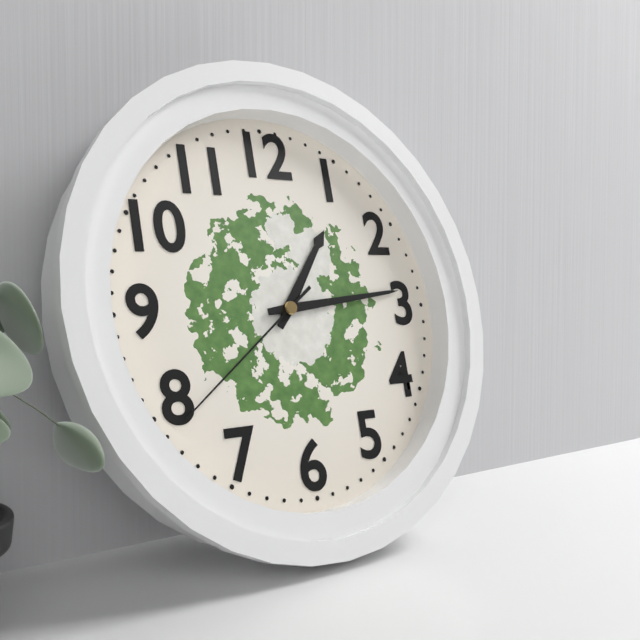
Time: {"hour": 1, "minute": 14, "second": 39}
